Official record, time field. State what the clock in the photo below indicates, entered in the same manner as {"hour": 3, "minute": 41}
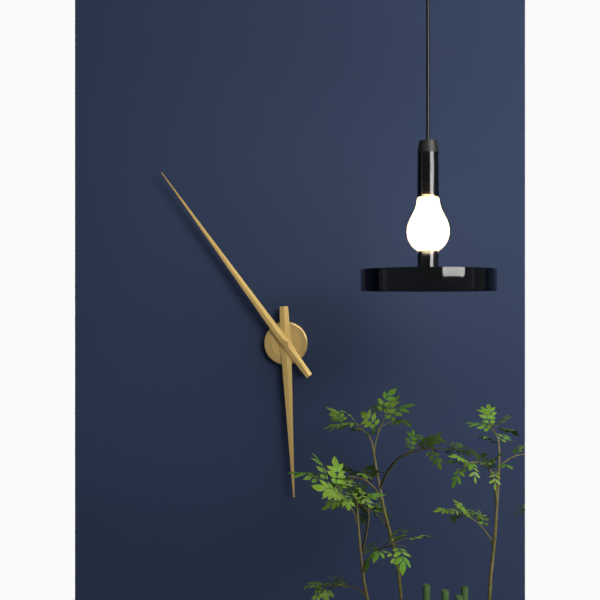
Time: {"hour": 5, "minute": 54}
